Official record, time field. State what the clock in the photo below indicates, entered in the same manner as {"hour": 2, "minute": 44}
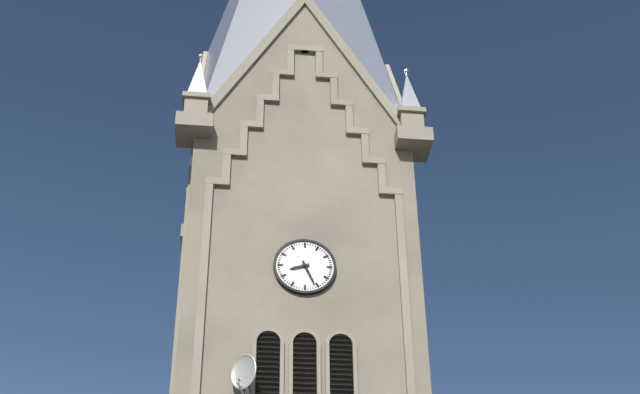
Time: {"hour": 8, "minute": 26}
